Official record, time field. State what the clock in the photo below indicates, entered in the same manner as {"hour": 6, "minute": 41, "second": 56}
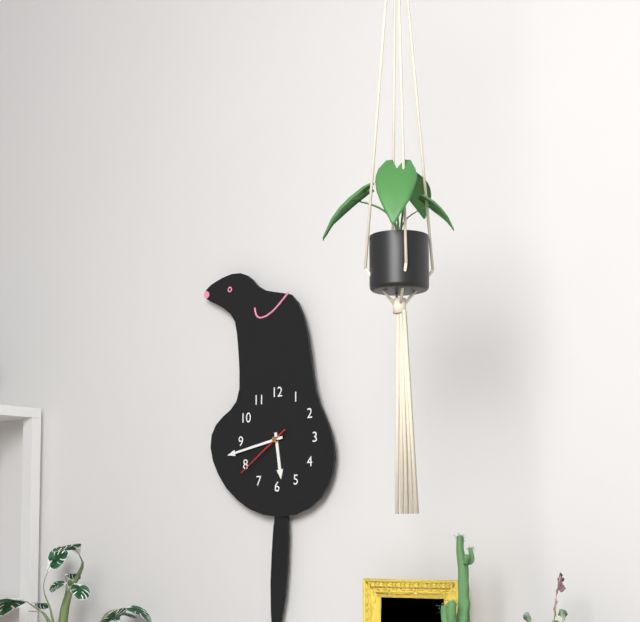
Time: {"hour": 5, "minute": 43, "second": 39}
